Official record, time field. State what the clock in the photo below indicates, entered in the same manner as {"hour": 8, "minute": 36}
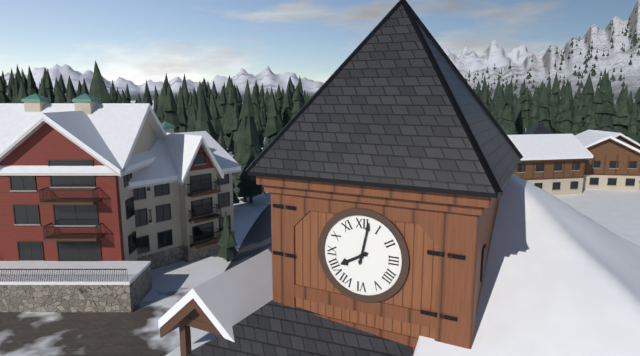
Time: {"hour": 8, "minute": 2}
